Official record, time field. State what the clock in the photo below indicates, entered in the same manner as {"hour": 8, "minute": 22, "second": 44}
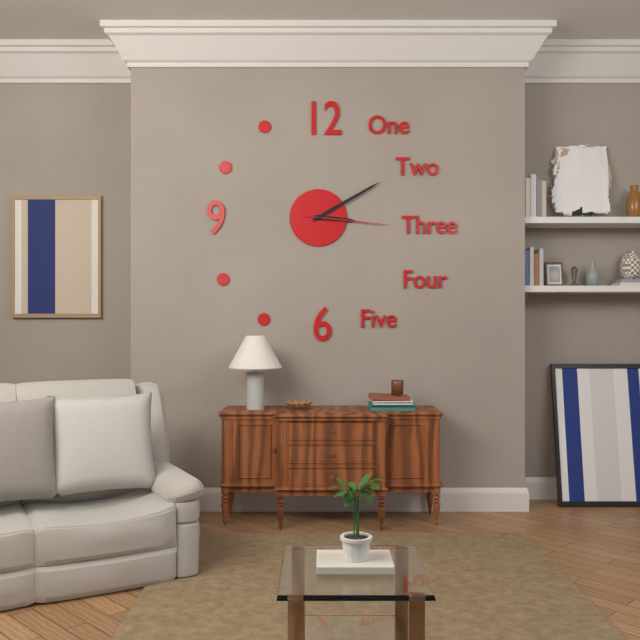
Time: {"hour": 3, "minute": 10, "second": 16}
